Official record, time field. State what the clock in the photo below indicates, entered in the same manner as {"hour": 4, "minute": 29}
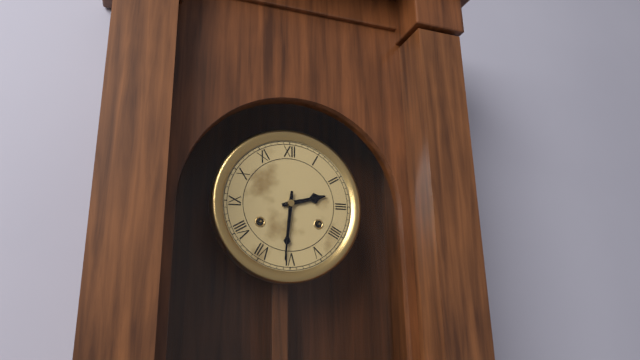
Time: {"hour": 2, "minute": 31}
